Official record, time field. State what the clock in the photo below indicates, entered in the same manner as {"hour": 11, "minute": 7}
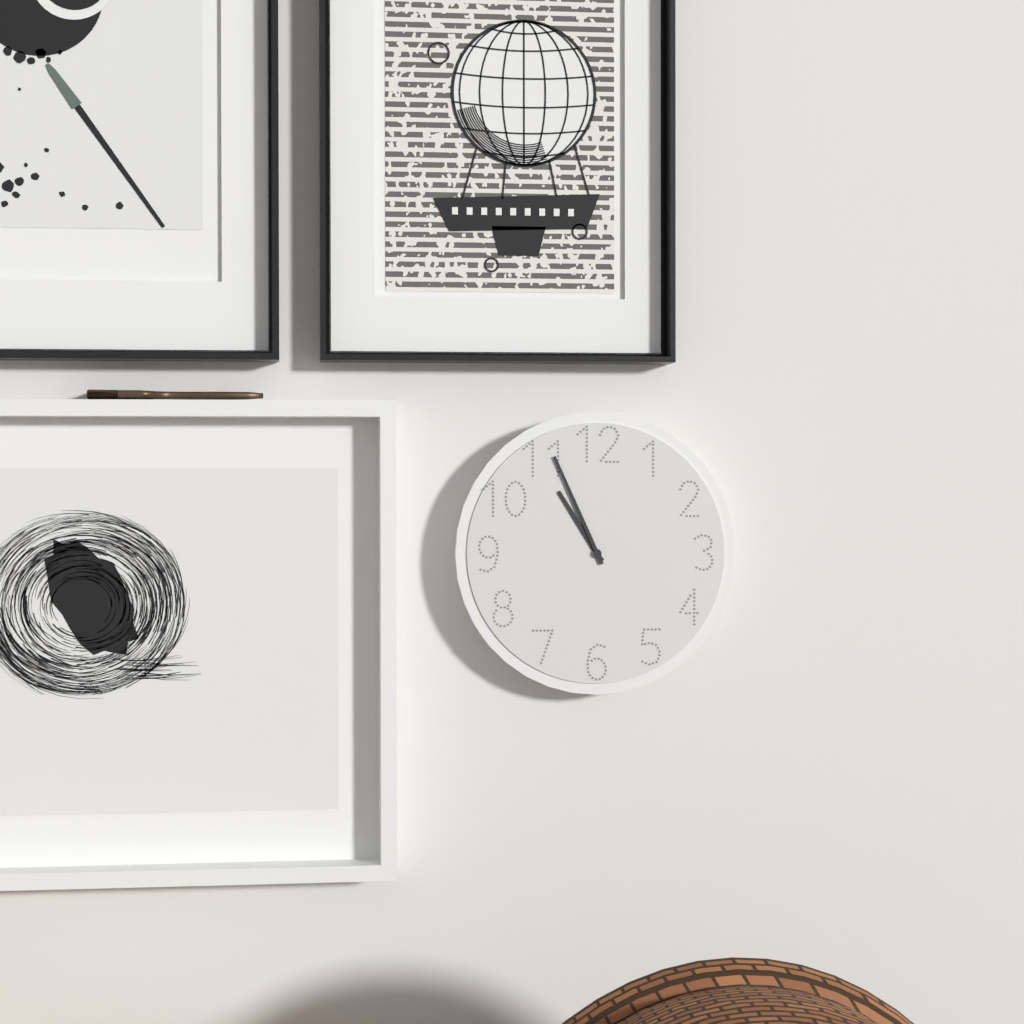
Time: {"hour": 10, "minute": 56}
